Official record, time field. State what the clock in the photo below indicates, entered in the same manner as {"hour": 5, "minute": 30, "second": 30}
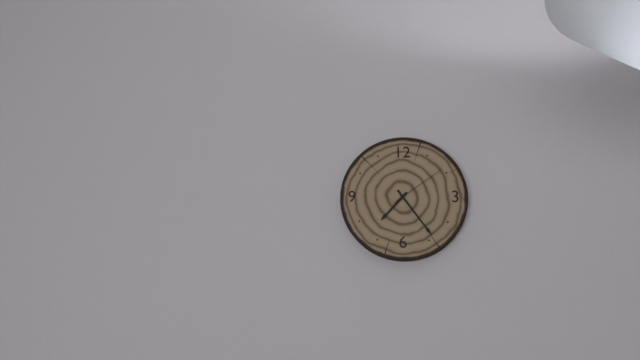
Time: {"hour": 7, "minute": 24, "second": 9}
